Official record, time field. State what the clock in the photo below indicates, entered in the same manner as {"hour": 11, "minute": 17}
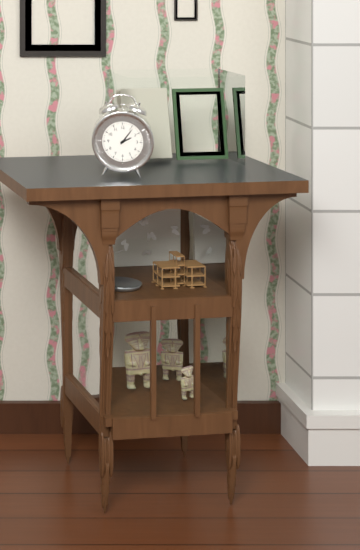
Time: {"hour": 2, "minute": 6}
